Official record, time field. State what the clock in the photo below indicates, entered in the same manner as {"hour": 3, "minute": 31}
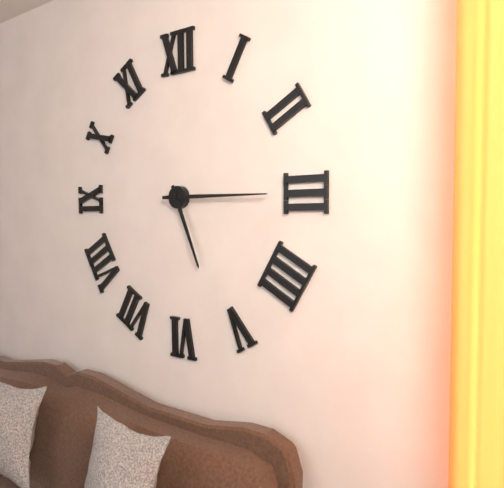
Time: {"hour": 5, "minute": 15}
